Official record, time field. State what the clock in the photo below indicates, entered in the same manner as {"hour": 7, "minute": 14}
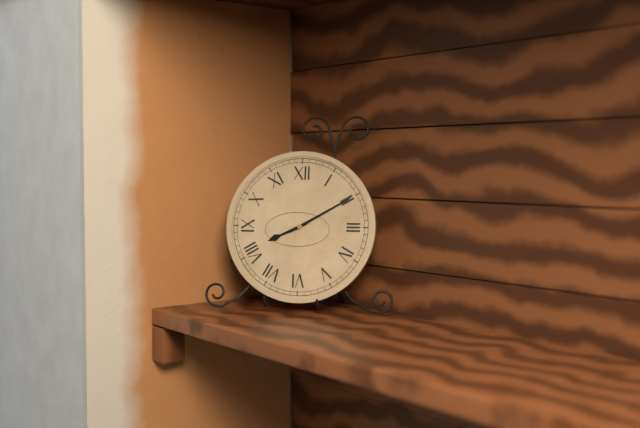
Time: {"hour": 8, "minute": 10}
